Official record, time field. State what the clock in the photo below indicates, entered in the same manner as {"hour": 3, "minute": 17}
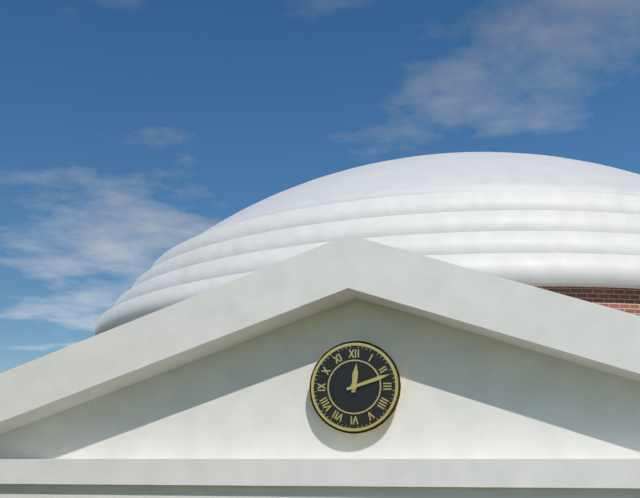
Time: {"hour": 12, "minute": 12}
